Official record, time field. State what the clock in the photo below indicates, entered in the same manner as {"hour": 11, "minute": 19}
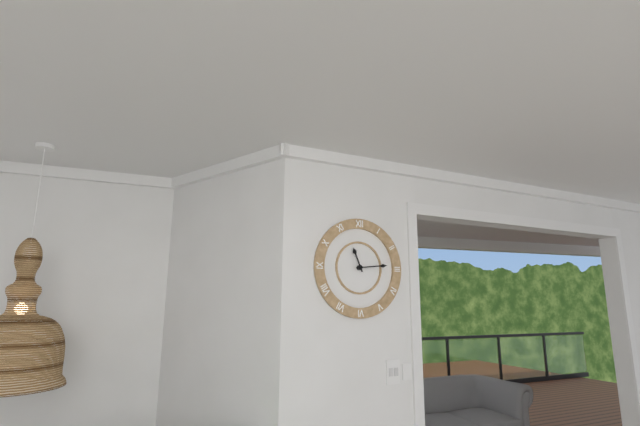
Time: {"hour": 11, "minute": 14}
